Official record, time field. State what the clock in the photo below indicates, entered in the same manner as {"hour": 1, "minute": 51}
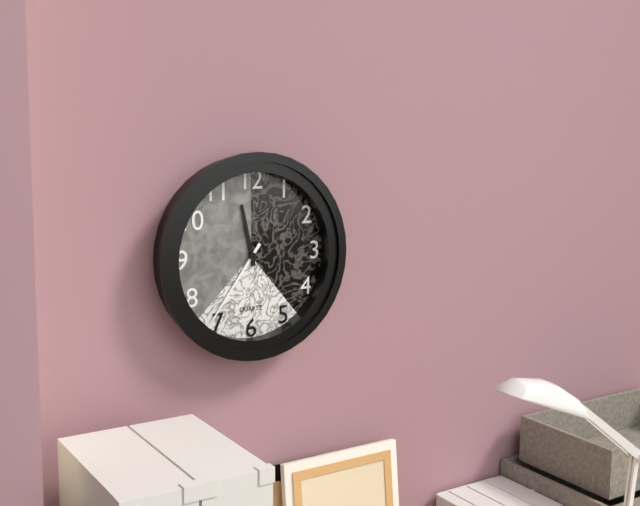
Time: {"hour": 11, "minute": 36}
